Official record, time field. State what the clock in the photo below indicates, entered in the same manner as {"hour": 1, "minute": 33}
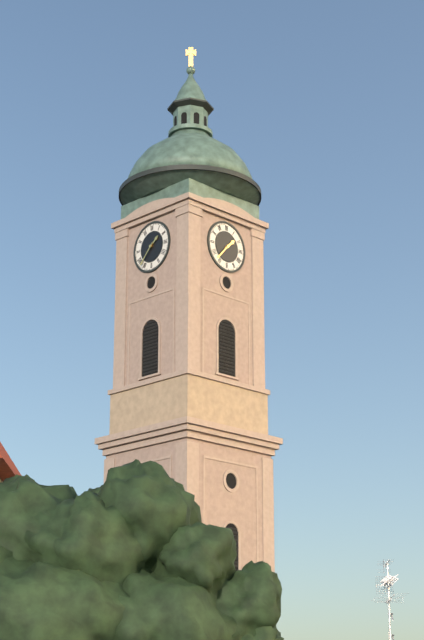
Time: {"hour": 1, "minute": 37}
